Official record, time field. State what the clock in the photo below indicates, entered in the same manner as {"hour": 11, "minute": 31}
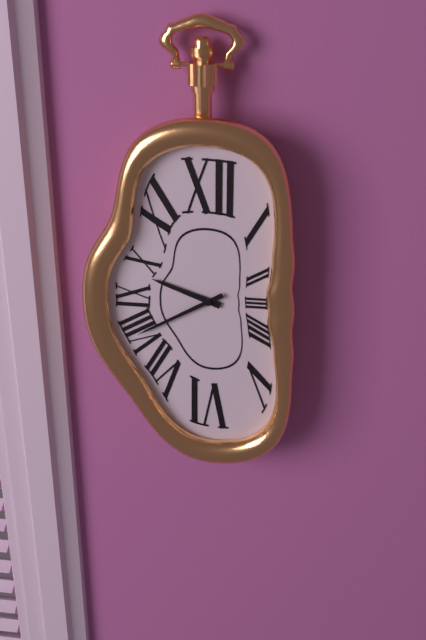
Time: {"hour": 9, "minute": 40}
